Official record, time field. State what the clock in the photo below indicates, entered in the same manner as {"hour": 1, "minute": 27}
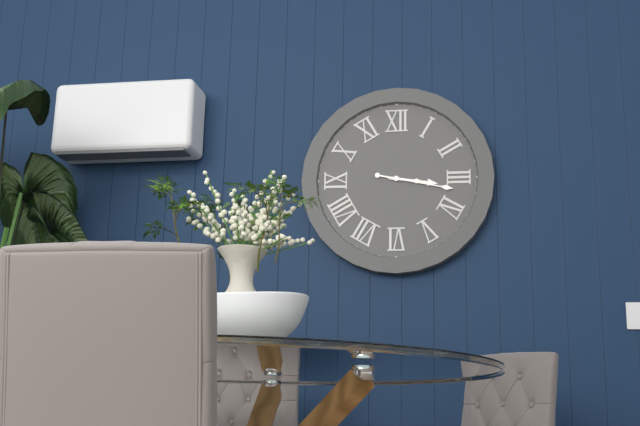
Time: {"hour": 3, "minute": 17}
